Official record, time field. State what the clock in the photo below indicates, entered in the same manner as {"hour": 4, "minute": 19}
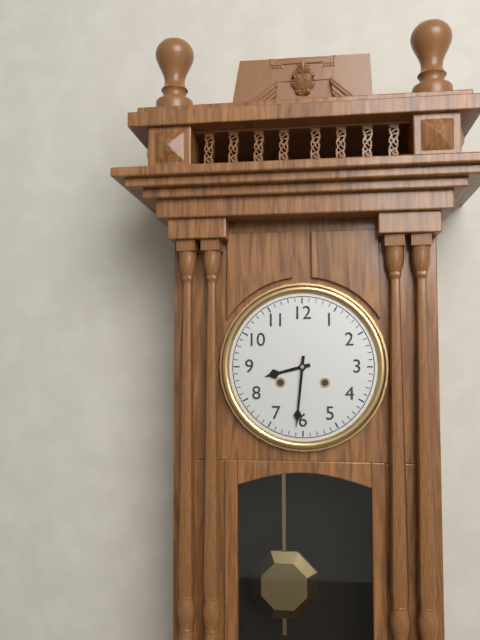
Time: {"hour": 8, "minute": 31}
